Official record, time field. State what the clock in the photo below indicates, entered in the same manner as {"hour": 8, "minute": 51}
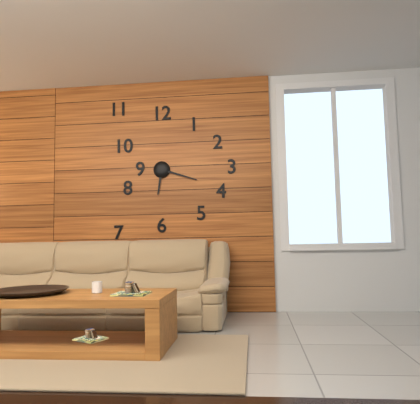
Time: {"hour": 6, "minute": 18}
